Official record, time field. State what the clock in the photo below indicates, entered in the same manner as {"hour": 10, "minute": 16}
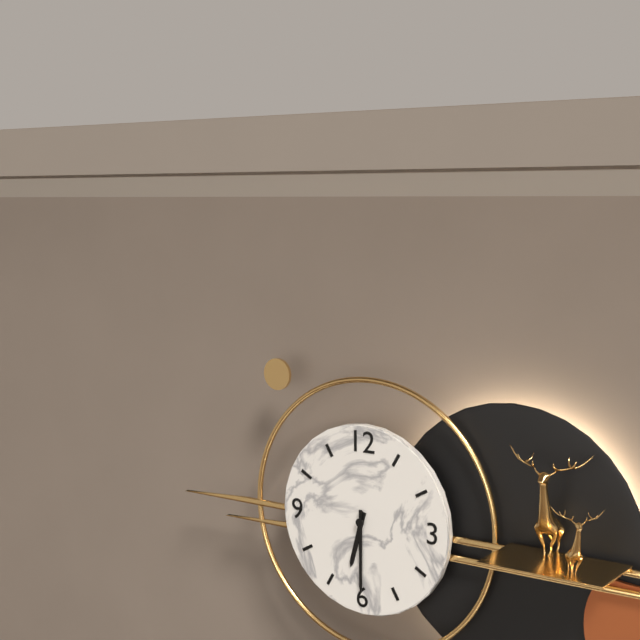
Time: {"hour": 6, "minute": 30}
